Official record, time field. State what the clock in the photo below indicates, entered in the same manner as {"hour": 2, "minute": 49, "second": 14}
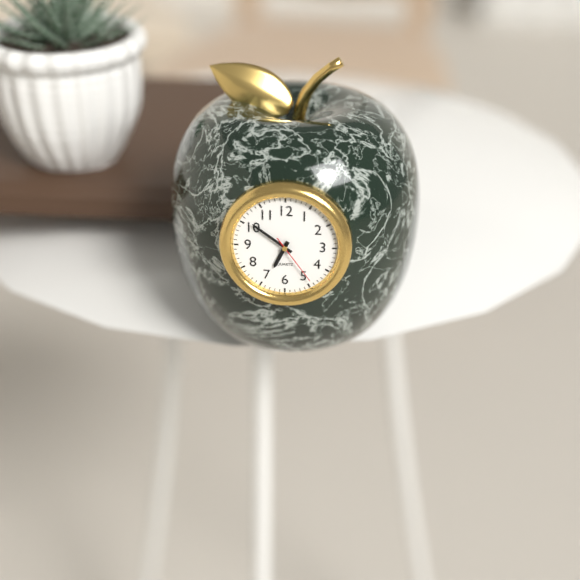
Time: {"hour": 6, "minute": 51, "second": 24}
